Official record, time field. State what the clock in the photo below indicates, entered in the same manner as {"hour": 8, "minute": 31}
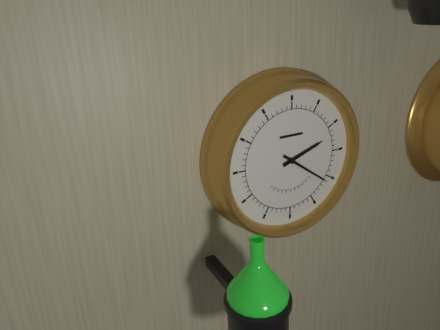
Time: {"hour": 2, "minute": 21}
